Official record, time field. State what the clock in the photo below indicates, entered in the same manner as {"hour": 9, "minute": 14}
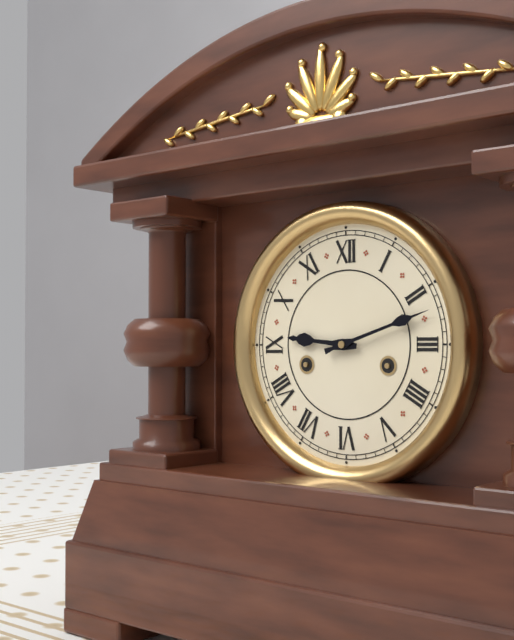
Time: {"hour": 9, "minute": 12}
